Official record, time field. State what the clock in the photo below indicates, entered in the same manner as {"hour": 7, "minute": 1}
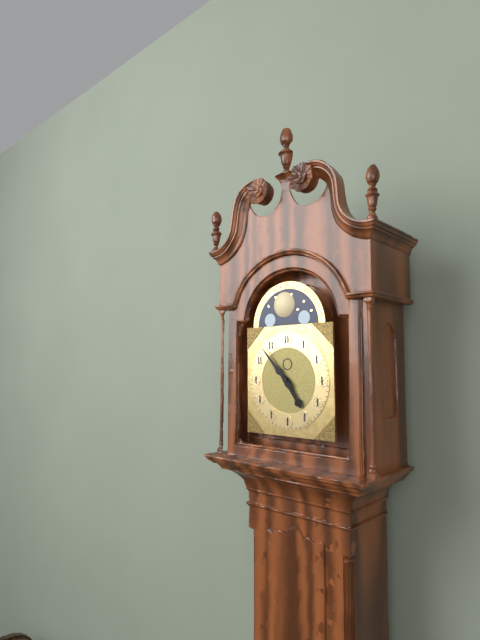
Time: {"hour": 4, "minute": 53}
